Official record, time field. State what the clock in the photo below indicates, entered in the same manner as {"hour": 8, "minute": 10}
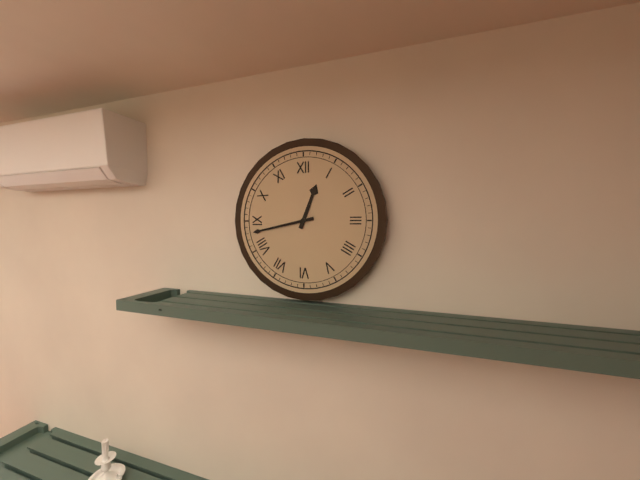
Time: {"hour": 12, "minute": 43}
